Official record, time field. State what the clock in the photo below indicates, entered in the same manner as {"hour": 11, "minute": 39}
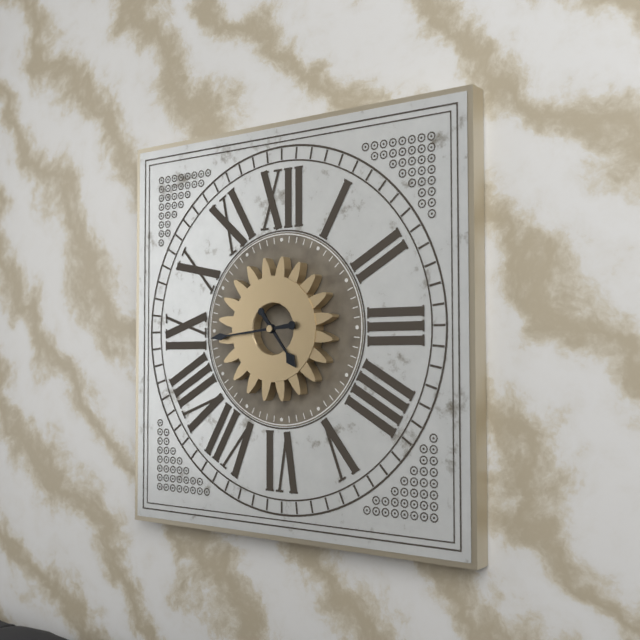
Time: {"hour": 4, "minute": 44}
